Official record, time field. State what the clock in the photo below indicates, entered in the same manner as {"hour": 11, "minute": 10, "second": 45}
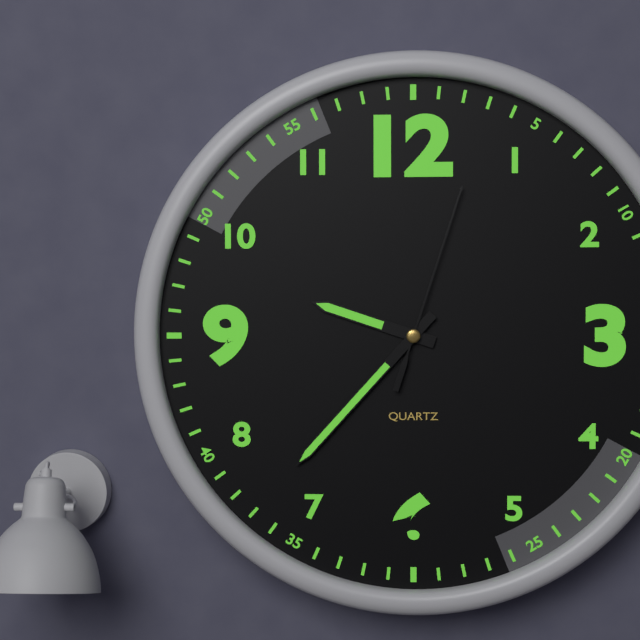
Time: {"hour": 9, "minute": 37, "second": 3}
